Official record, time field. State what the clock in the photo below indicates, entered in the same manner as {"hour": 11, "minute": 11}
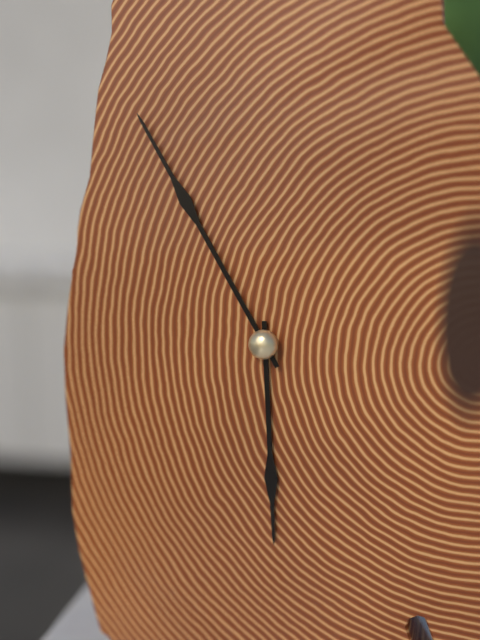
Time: {"hour": 5, "minute": 55}
